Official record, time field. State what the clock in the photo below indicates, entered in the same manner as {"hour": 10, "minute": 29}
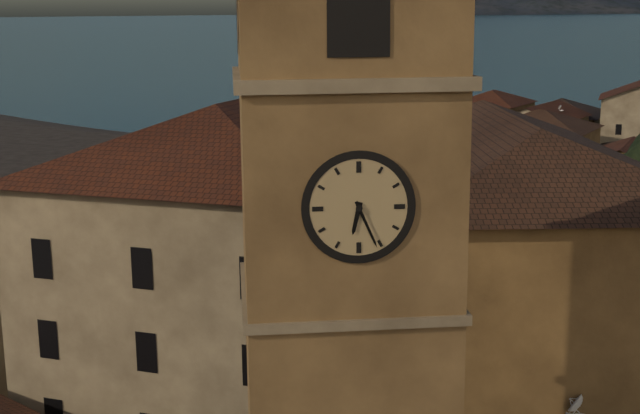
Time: {"hour": 6, "minute": 26}
